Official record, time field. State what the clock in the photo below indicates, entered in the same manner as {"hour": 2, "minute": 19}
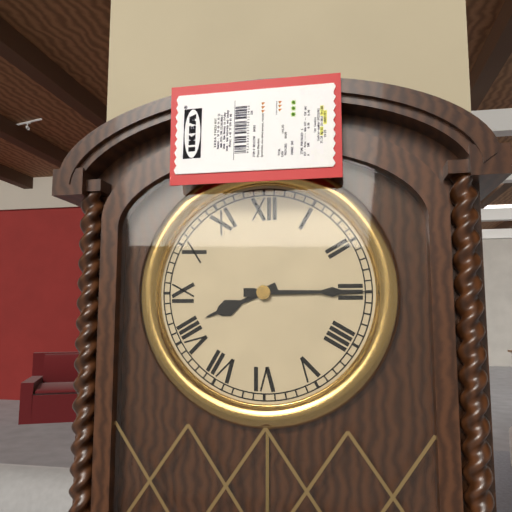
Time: {"hour": 8, "minute": 15}
